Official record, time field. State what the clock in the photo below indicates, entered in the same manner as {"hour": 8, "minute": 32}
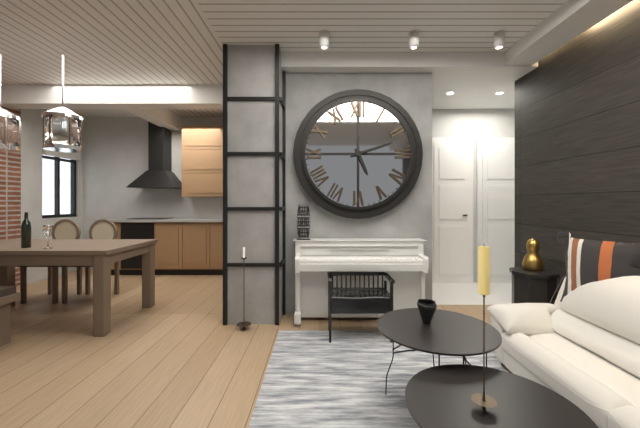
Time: {"hour": 5, "minute": 12}
